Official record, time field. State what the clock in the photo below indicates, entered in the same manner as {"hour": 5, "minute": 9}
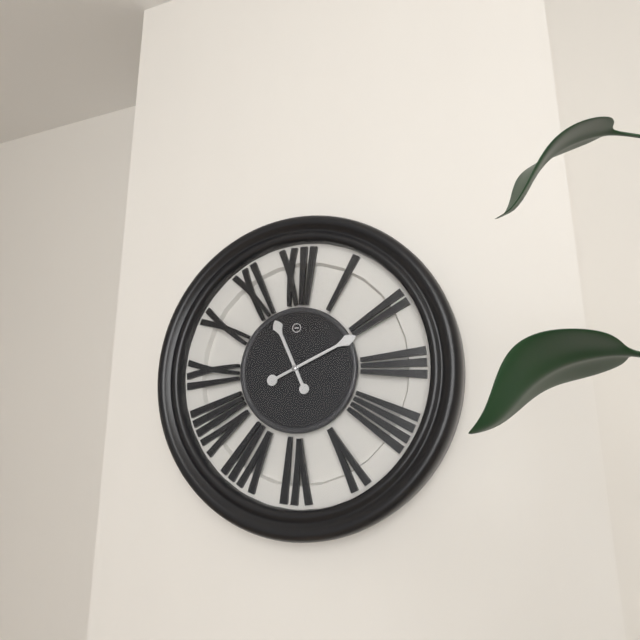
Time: {"hour": 11, "minute": 11}
